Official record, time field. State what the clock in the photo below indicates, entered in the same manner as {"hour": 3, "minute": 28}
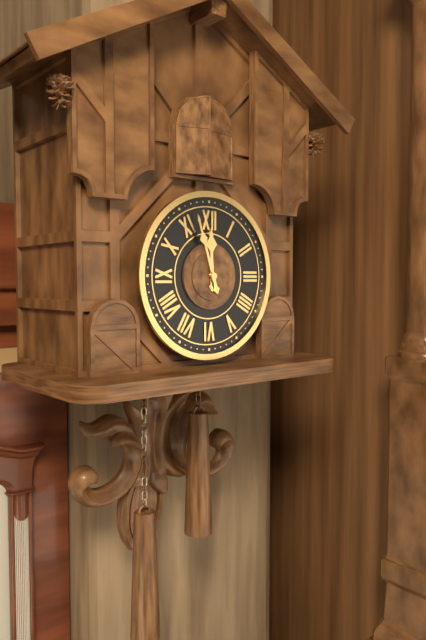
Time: {"hour": 11, "minute": 57}
